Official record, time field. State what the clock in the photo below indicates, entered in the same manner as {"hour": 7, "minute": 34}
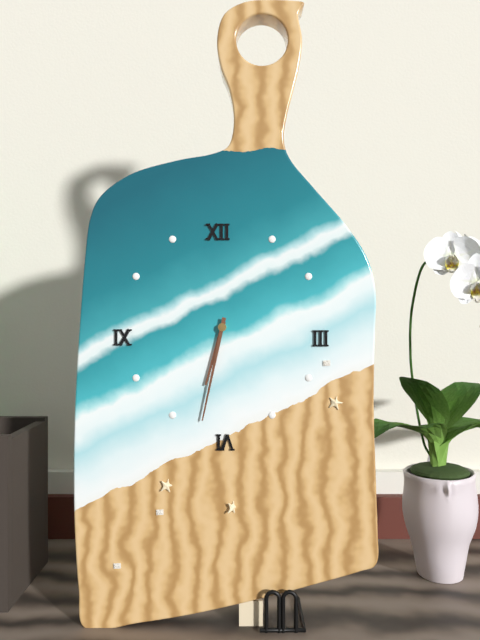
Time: {"hour": 6, "minute": 32}
